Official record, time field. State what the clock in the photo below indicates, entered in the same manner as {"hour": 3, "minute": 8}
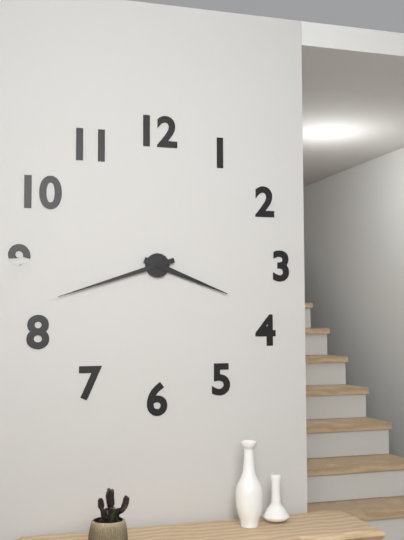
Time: {"hour": 3, "minute": 42}
